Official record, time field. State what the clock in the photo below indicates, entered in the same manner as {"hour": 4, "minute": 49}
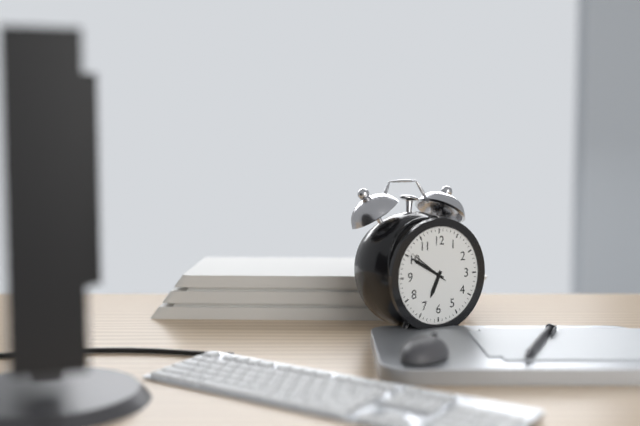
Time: {"hour": 6, "minute": 50}
